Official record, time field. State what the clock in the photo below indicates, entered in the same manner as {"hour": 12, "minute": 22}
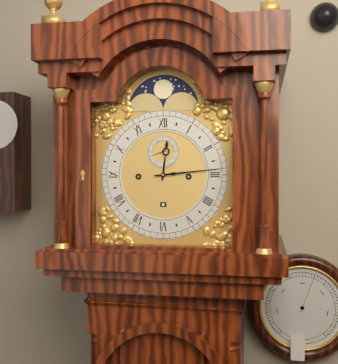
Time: {"hour": 12, "minute": 14}
